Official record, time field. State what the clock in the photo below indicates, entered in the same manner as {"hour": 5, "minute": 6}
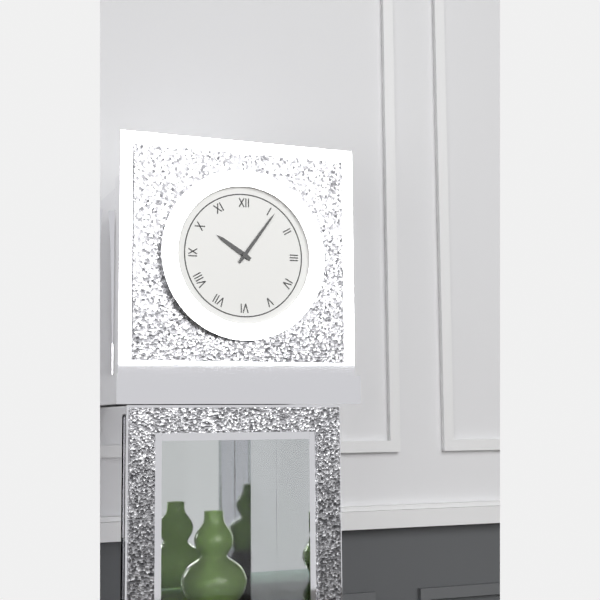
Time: {"hour": 10, "minute": 6}
